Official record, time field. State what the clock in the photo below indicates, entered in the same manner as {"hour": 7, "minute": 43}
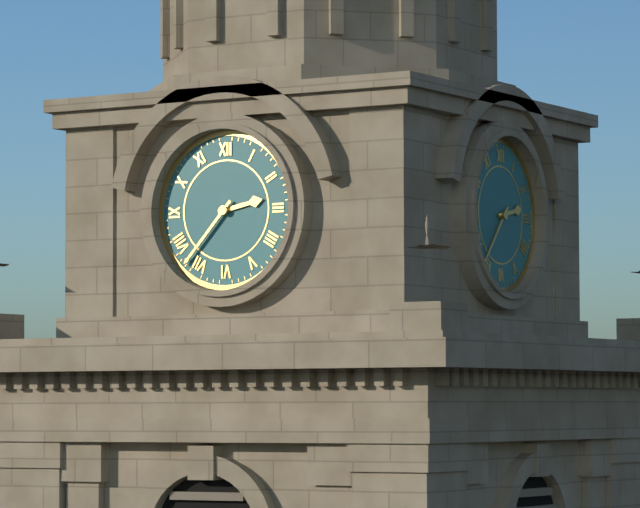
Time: {"hour": 2, "minute": 37}
